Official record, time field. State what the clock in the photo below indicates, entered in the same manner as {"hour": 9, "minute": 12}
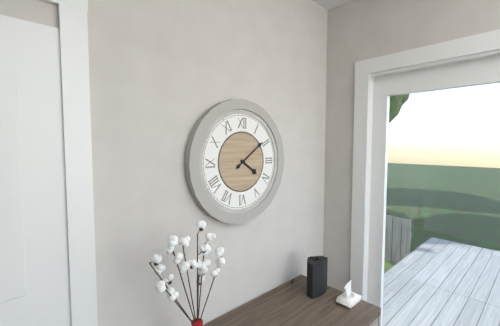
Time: {"hour": 4, "minute": 9}
